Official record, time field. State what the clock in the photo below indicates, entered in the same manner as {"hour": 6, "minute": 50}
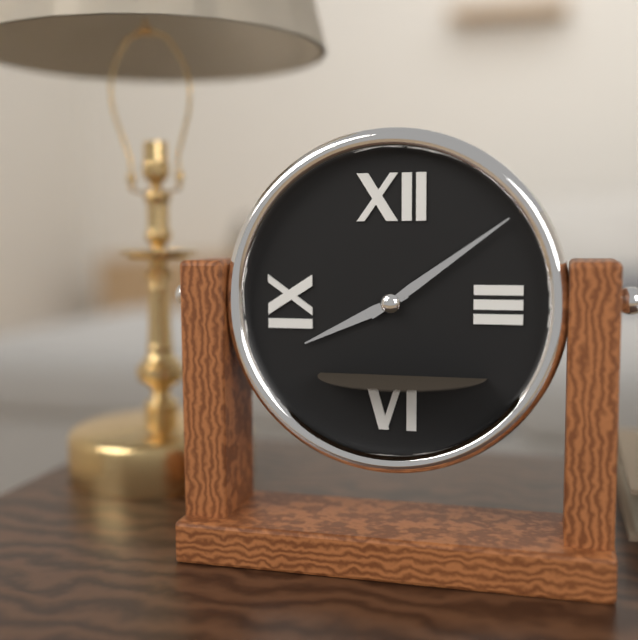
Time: {"hour": 8, "minute": 9}
